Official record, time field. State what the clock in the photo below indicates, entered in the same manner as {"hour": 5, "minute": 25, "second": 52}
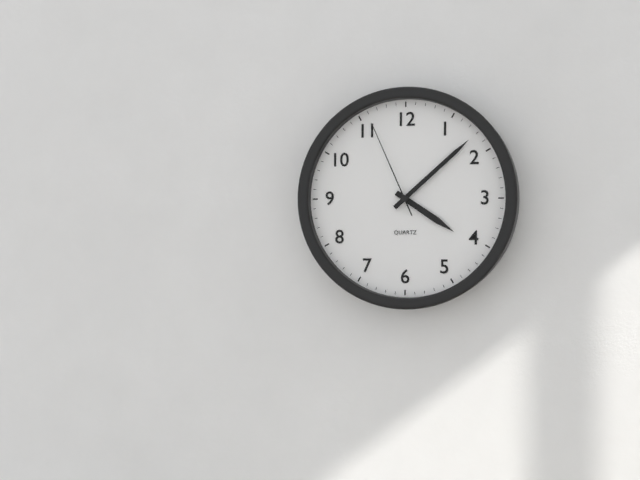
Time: {"hour": 4, "minute": 8, "second": 56}
